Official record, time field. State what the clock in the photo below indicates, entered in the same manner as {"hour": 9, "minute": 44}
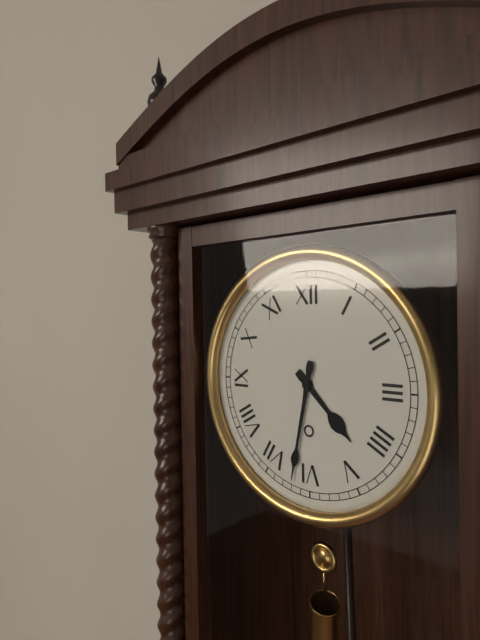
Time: {"hour": 4, "minute": 32}
